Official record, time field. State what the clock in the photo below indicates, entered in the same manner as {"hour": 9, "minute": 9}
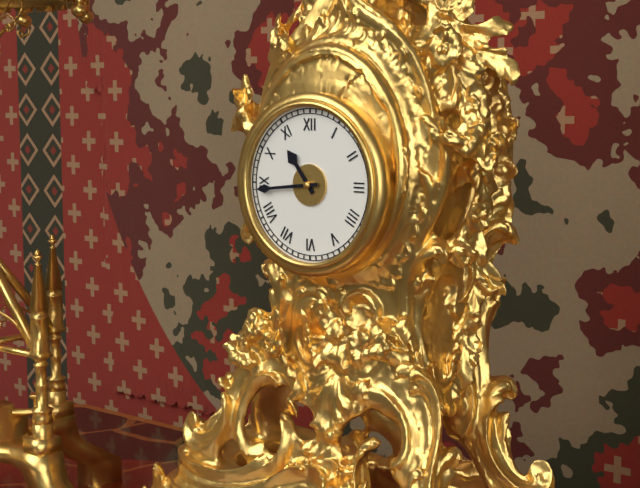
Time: {"hour": 10, "minute": 44}
